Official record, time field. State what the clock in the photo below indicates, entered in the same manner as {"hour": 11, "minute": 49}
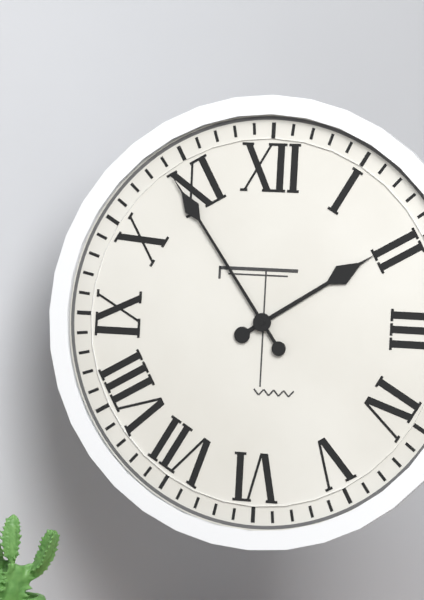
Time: {"hour": 1, "minute": 54}
